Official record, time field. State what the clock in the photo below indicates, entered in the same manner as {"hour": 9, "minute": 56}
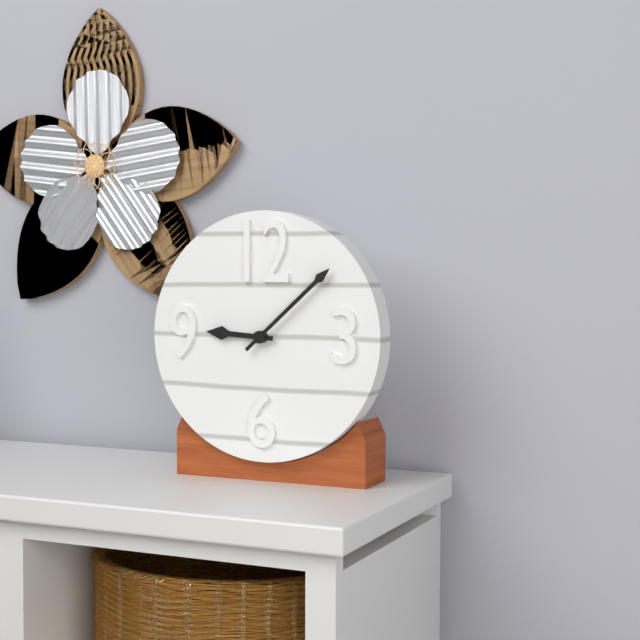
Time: {"hour": 9, "minute": 8}
